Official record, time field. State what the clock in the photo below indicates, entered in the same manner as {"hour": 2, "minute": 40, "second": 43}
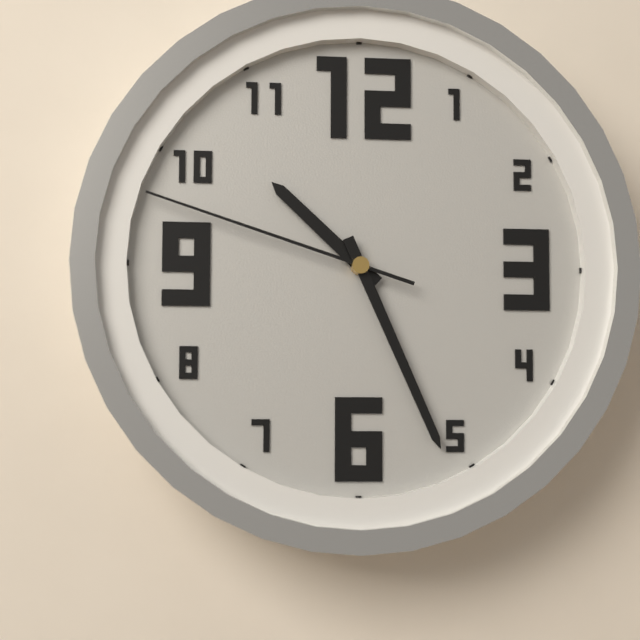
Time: {"hour": 10, "minute": 26, "second": 48}
